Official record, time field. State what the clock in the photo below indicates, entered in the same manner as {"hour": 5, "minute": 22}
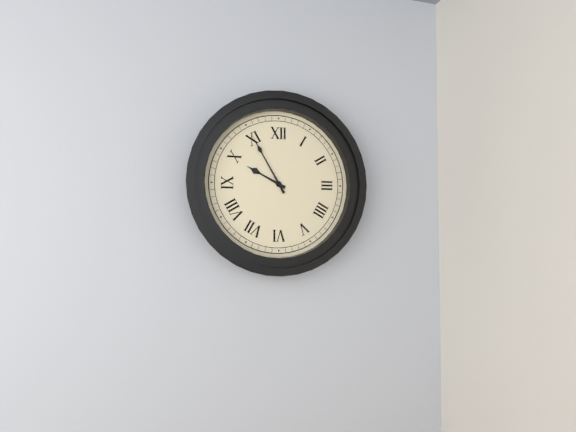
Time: {"hour": 9, "minute": 55}
